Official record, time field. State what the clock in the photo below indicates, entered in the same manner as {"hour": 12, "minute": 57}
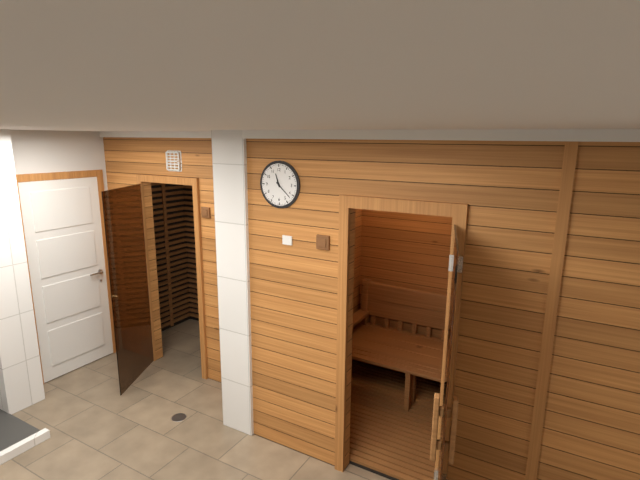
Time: {"hour": 11, "minute": 22}
